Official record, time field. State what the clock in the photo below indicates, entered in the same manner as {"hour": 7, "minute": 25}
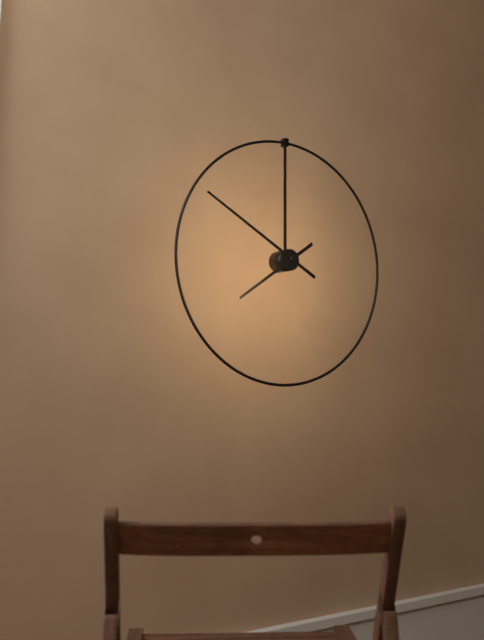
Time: {"hour": 7, "minute": 50}
